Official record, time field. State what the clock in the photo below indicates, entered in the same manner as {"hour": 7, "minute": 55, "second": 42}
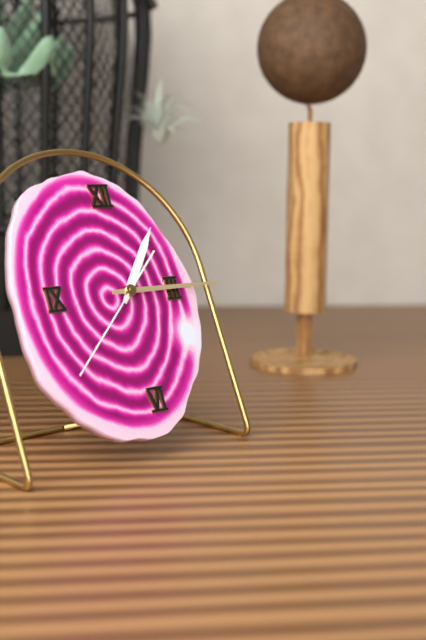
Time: {"hour": 1, "minute": 15, "second": 38}
